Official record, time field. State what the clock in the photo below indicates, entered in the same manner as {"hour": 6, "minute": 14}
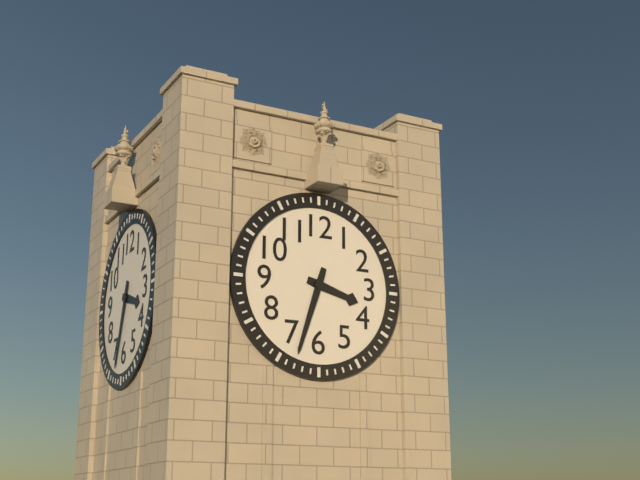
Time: {"hour": 3, "minute": 33}
